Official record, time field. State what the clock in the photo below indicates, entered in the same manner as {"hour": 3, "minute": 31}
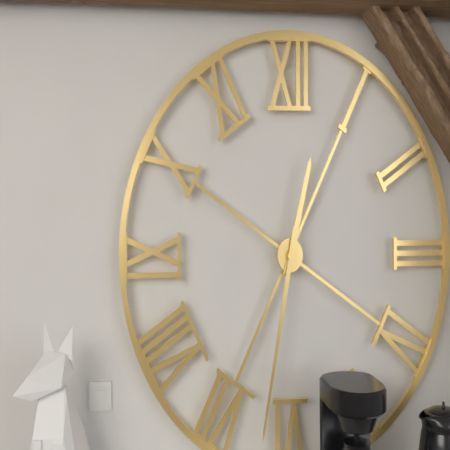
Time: {"hour": 12, "minute": 32}
